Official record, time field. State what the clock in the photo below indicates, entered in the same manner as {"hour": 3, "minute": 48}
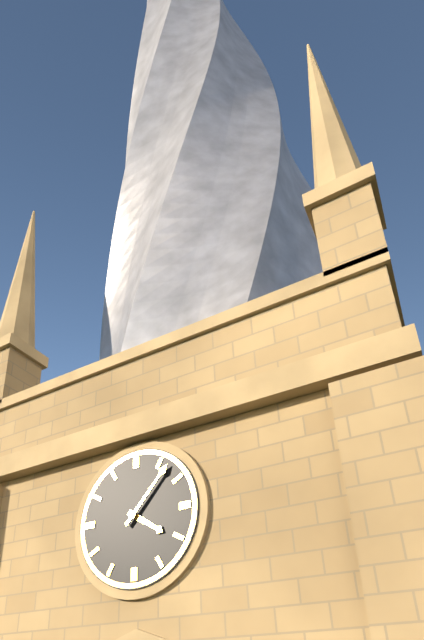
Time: {"hour": 4, "minute": 7}
